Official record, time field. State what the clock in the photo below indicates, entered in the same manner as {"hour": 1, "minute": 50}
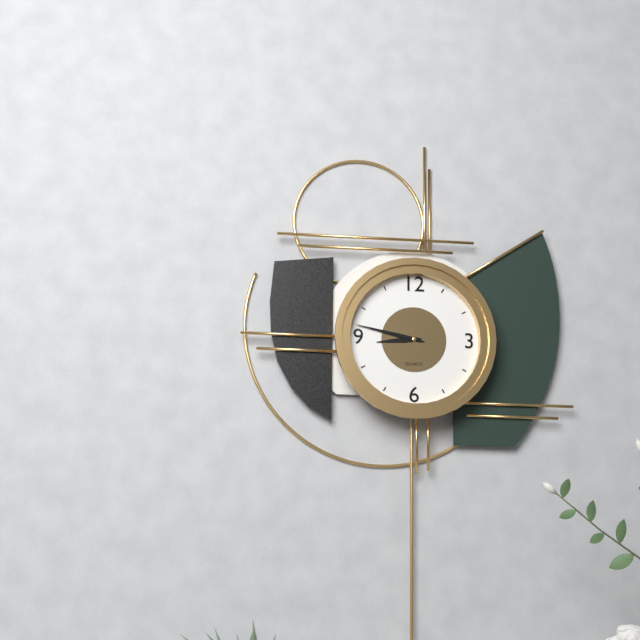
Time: {"hour": 8, "minute": 47}
